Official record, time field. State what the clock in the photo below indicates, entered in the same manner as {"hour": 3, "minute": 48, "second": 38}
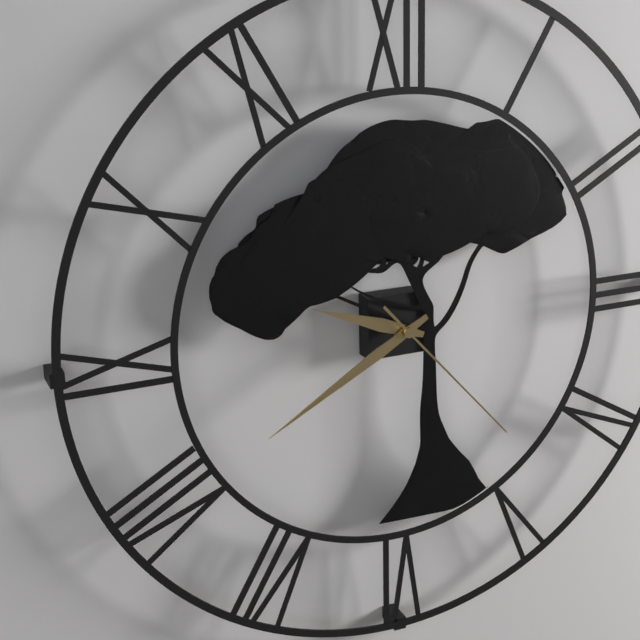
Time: {"hour": 9, "minute": 40, "second": 23}
